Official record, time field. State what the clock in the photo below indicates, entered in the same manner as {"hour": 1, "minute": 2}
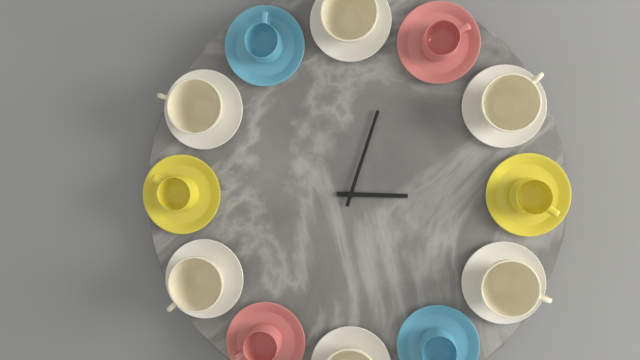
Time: {"hour": 3, "minute": 3}
